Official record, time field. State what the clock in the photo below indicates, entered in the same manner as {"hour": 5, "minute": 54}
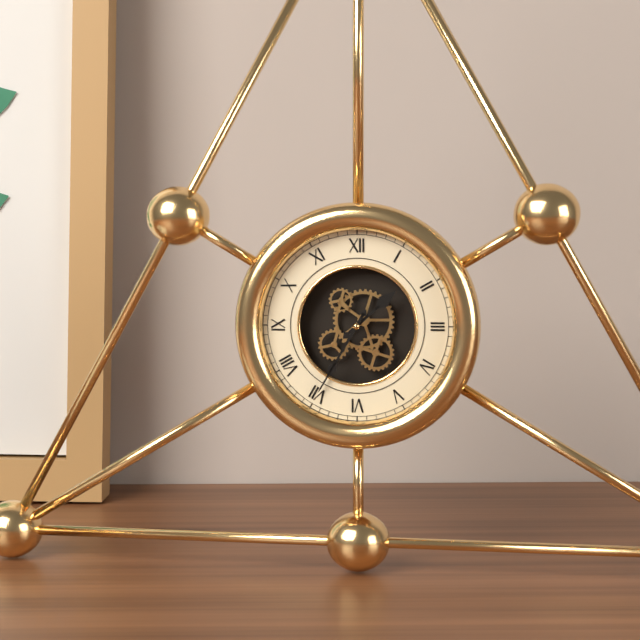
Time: {"hour": 1, "minute": 35}
